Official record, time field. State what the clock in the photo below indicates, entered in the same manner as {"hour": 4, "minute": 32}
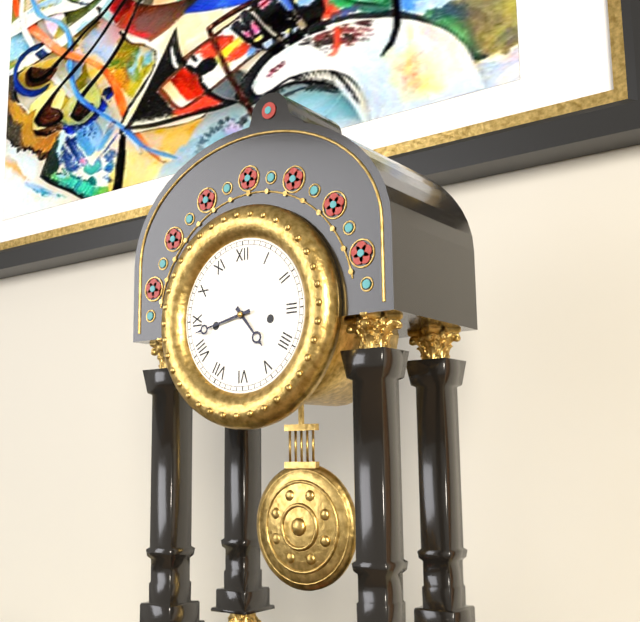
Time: {"hour": 4, "minute": 43}
